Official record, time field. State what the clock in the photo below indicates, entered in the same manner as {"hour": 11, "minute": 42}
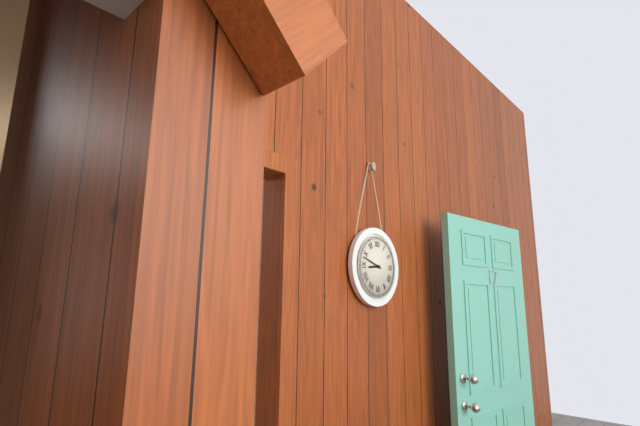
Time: {"hour": 8, "minute": 48}
